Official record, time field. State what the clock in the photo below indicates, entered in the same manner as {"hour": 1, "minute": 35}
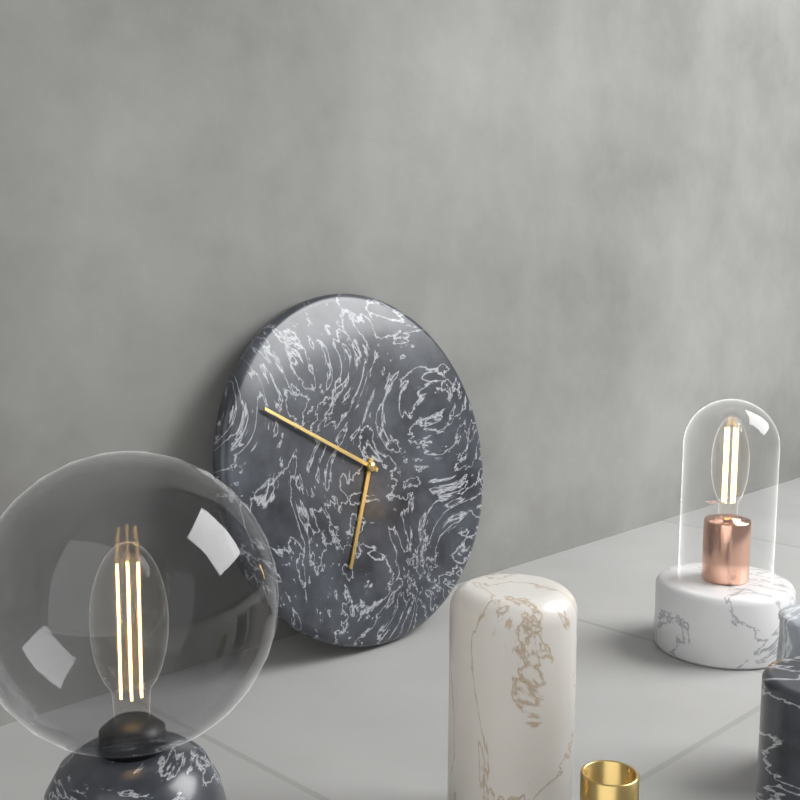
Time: {"hour": 6, "minute": 50}
